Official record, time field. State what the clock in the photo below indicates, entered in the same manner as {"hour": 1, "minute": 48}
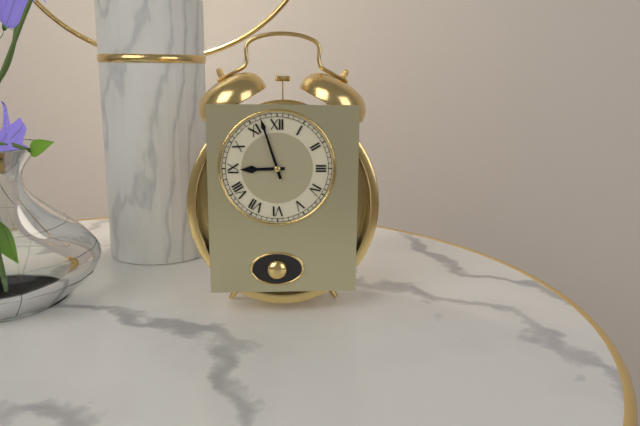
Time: {"hour": 8, "minute": 57}
